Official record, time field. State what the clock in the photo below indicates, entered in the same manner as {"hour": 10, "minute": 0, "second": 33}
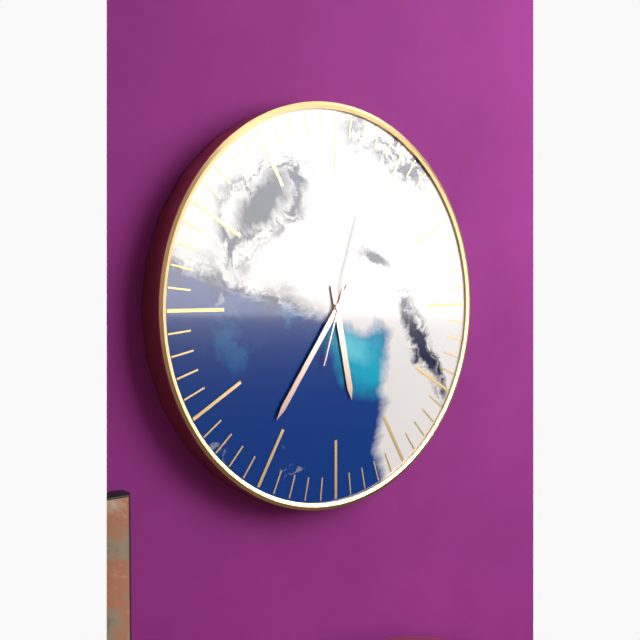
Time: {"hour": 5, "minute": 36, "second": 3}
